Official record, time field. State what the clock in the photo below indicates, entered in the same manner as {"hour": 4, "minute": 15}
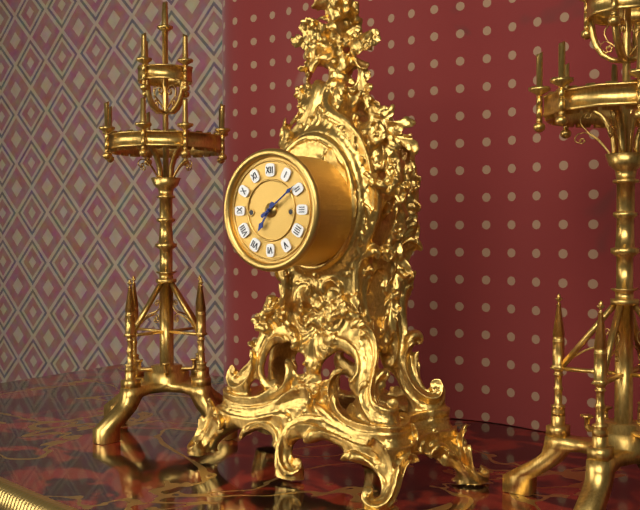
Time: {"hour": 7, "minute": 9}
